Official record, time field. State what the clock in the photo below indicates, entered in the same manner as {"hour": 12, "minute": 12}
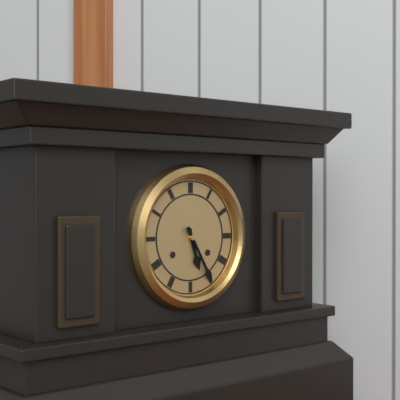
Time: {"hour": 5, "minute": 25}
